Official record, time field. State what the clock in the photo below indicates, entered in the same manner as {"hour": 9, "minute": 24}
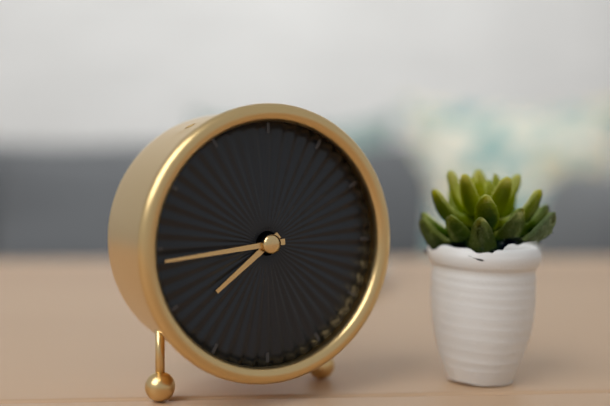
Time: {"hour": 7, "minute": 44}
